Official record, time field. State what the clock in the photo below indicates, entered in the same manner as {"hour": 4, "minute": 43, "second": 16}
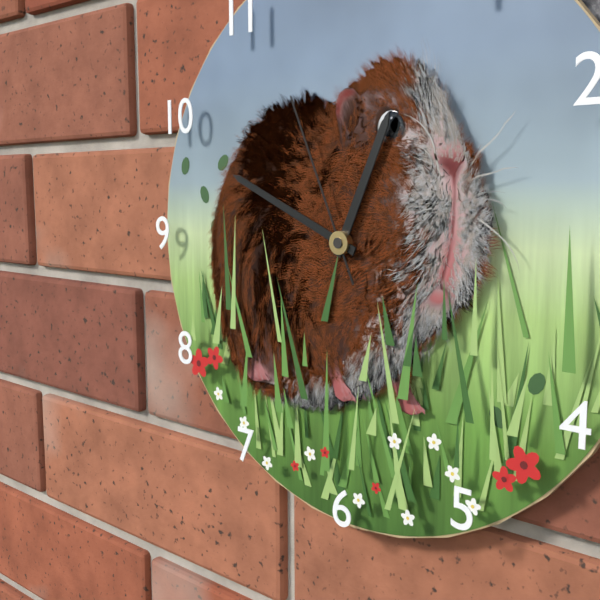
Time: {"hour": 12, "minute": 49, "second": 56}
